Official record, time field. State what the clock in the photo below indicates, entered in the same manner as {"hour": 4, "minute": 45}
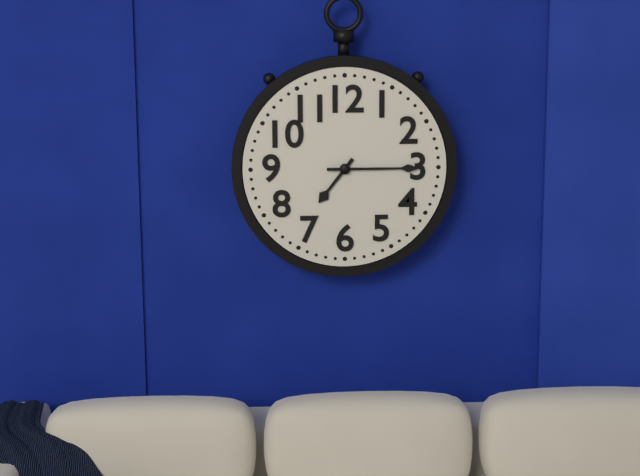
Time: {"hour": 7, "minute": 15}
